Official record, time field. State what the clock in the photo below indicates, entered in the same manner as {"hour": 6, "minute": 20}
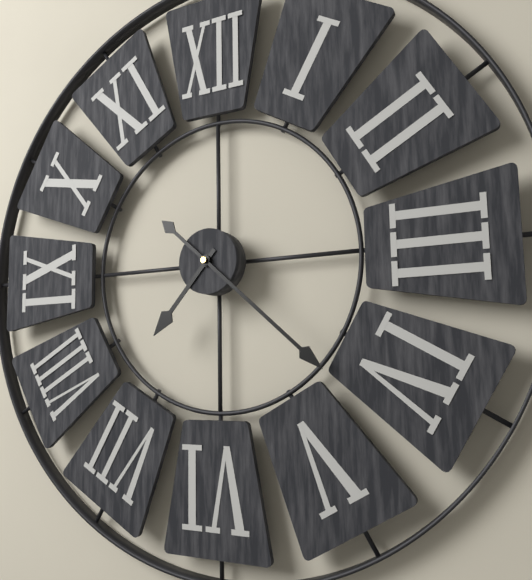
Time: {"hour": 7, "minute": 22}
